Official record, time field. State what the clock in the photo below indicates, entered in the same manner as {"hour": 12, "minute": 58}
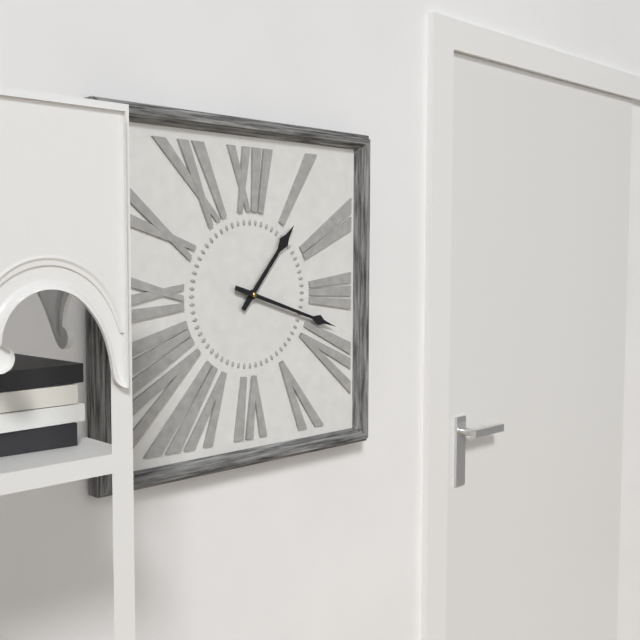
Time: {"hour": 1, "minute": 18}
